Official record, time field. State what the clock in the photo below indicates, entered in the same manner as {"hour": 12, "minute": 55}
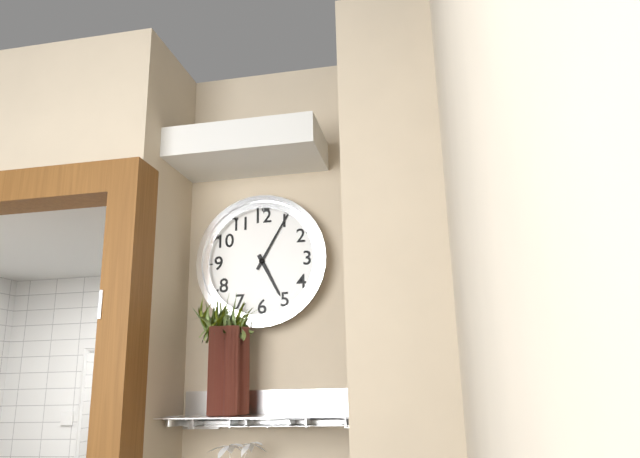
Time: {"hour": 5, "minute": 5}
